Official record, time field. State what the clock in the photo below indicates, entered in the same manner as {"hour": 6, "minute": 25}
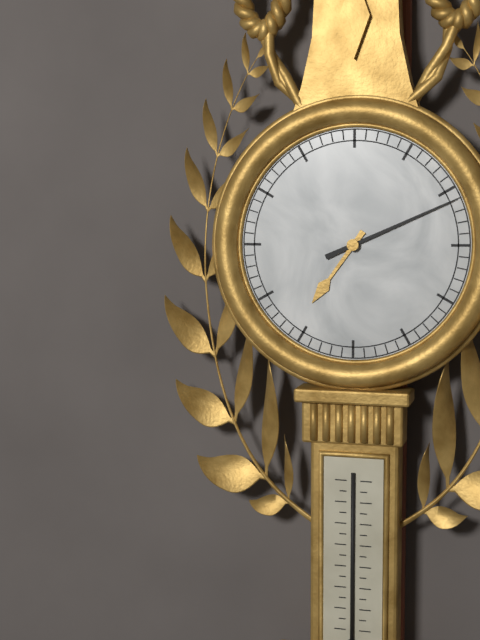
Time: {"hour": 7, "minute": 11}
